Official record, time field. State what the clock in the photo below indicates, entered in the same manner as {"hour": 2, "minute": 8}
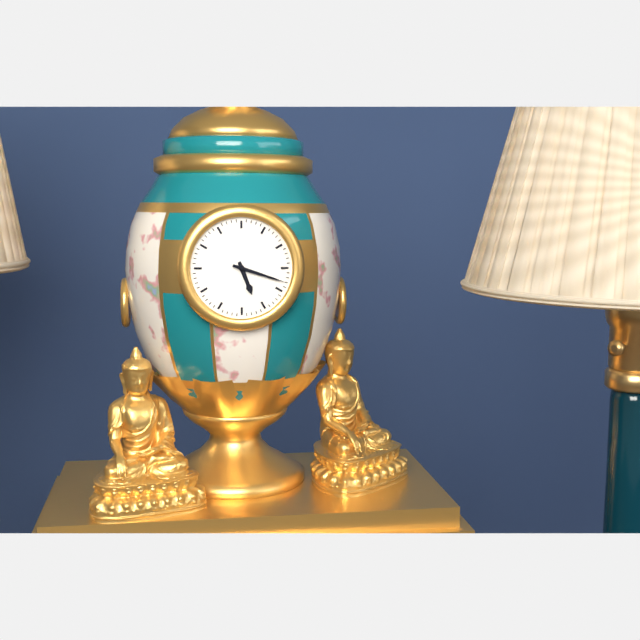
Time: {"hour": 5, "minute": 18}
